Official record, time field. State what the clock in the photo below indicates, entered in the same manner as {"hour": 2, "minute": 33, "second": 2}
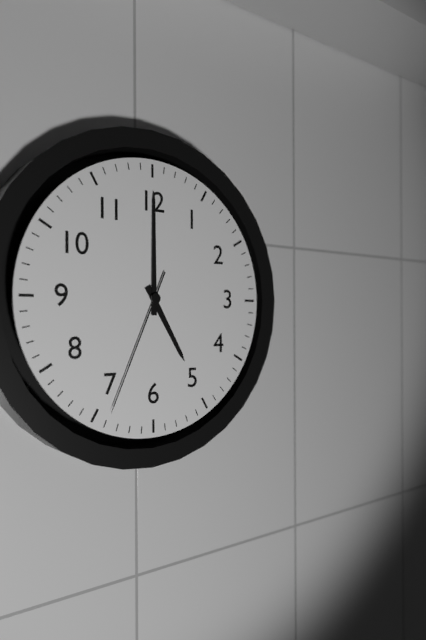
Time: {"hour": 5, "minute": 0, "second": 34}
